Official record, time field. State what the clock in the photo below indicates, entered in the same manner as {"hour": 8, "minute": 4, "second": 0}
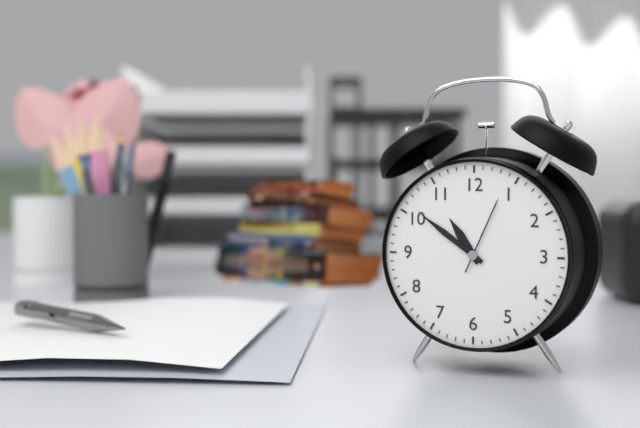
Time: {"hour": 10, "minute": 51, "second": 4}
